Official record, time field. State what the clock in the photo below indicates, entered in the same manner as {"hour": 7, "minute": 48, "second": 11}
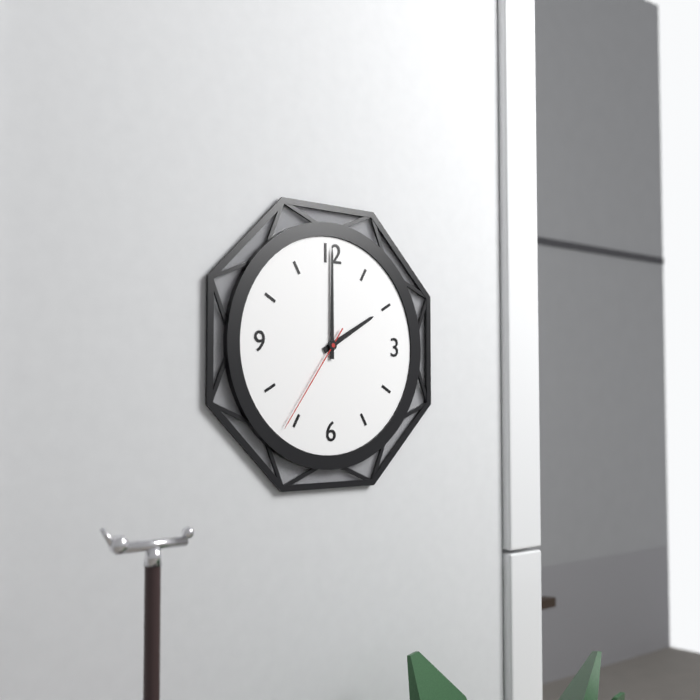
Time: {"hour": 2, "minute": 0, "second": 36}
